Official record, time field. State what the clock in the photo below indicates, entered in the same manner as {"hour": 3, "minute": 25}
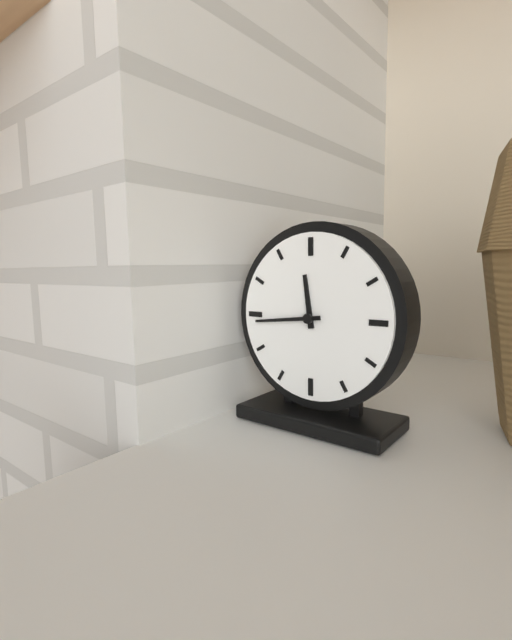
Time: {"hour": 11, "minute": 44}
